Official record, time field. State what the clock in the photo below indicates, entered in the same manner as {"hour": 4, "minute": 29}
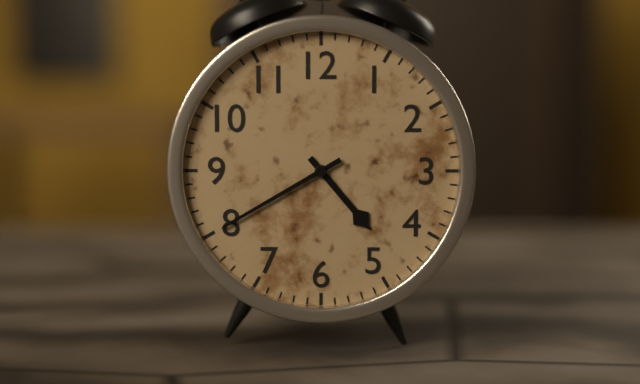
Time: {"hour": 4, "minute": 40}
